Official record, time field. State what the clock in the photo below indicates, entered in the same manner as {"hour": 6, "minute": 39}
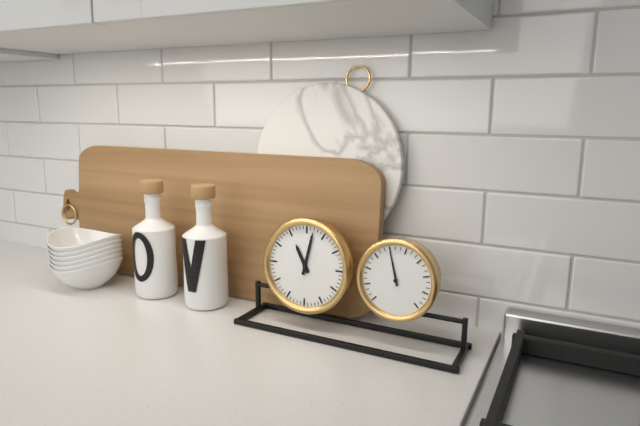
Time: {"hour": 11, "minute": 2}
